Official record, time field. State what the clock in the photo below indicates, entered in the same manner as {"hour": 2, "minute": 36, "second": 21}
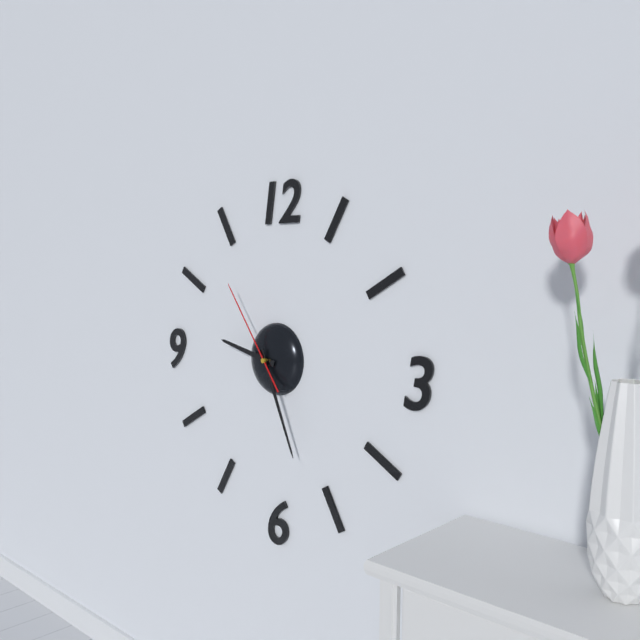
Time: {"hour": 9, "minute": 26, "second": 54}
